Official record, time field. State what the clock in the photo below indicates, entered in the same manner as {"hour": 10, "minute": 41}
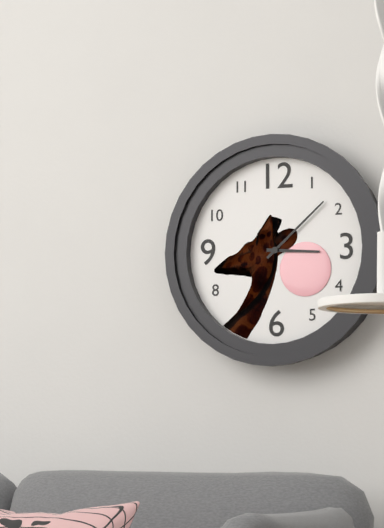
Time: {"hour": 3, "minute": 8}
